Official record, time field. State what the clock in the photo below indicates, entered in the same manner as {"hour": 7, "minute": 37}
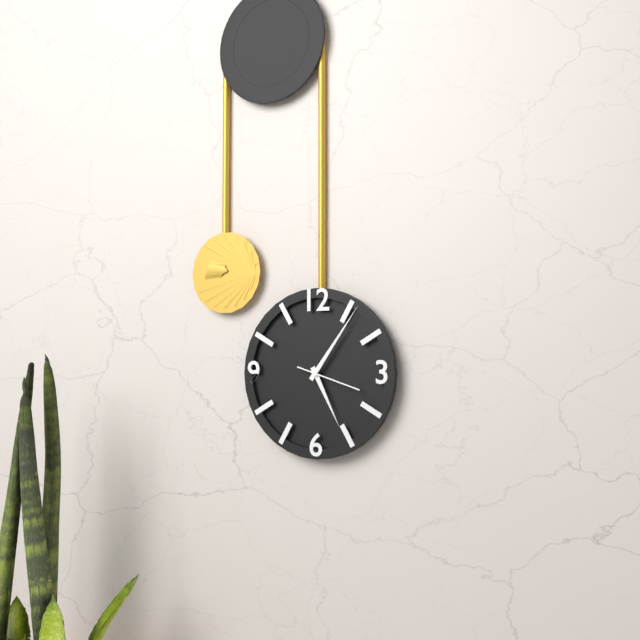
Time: {"hour": 5, "minute": 6}
